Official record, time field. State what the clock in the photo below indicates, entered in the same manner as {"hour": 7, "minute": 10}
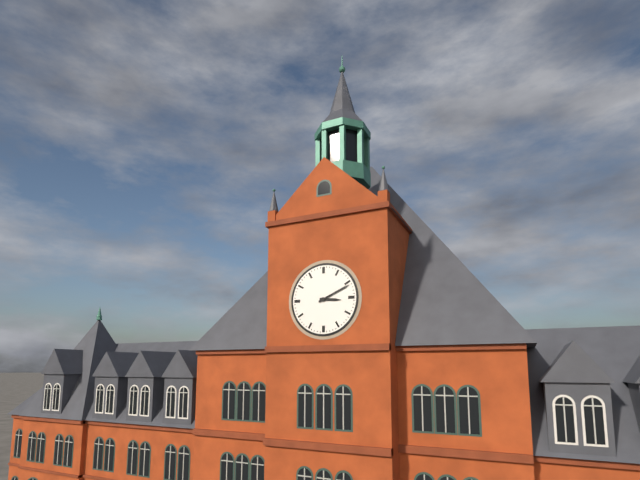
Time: {"hour": 3, "minute": 11}
